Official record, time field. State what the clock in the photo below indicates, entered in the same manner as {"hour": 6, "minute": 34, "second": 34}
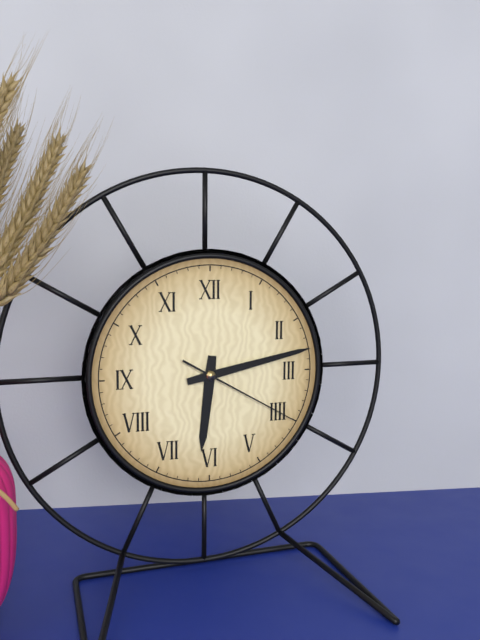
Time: {"hour": 6, "minute": 13, "second": 20}
